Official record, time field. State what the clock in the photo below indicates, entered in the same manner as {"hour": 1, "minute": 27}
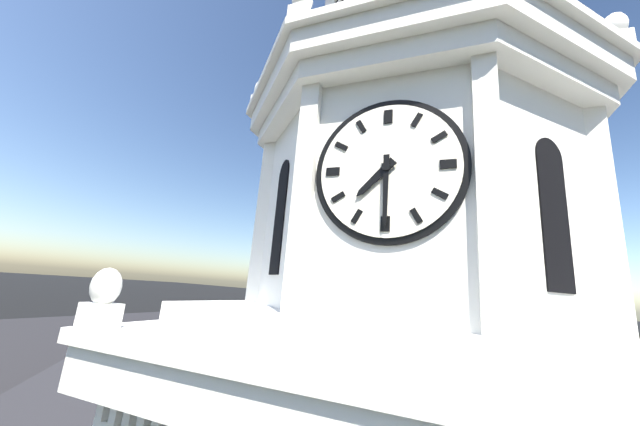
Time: {"hour": 7, "minute": 30}
